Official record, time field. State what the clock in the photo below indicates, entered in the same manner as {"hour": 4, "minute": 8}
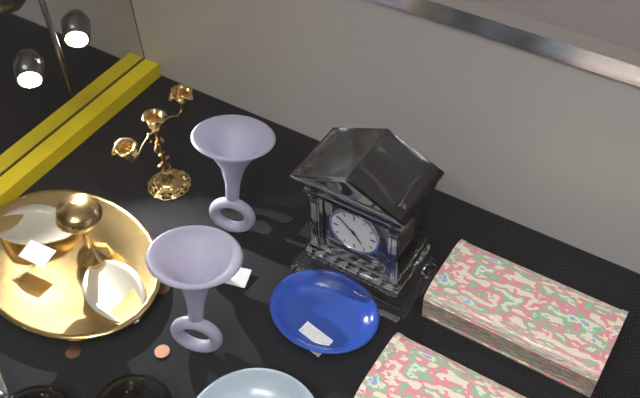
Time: {"hour": 4, "minute": 52}
